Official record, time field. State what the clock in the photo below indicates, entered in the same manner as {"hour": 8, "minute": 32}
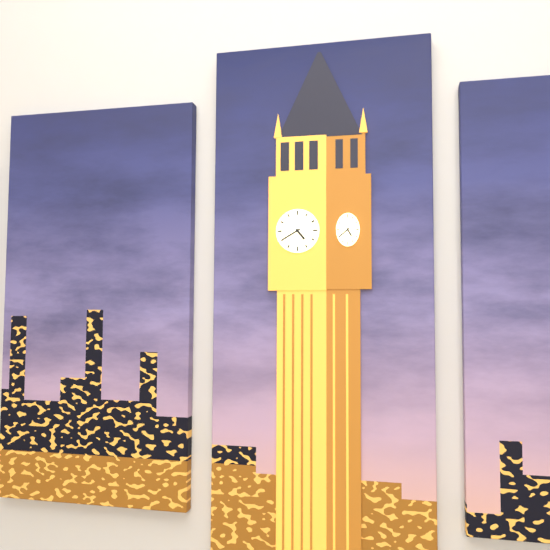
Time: {"hour": 4, "minute": 40}
